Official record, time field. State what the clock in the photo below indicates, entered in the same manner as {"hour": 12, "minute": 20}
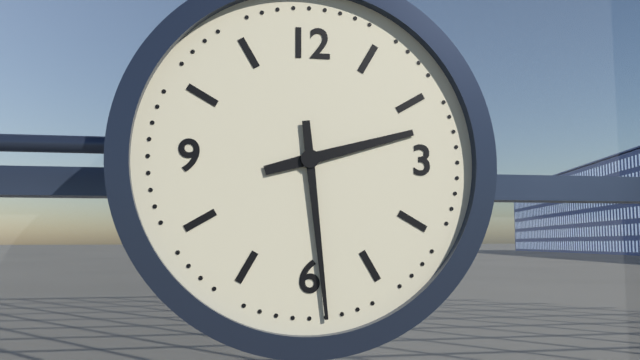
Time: {"hour": 2, "minute": 29}
